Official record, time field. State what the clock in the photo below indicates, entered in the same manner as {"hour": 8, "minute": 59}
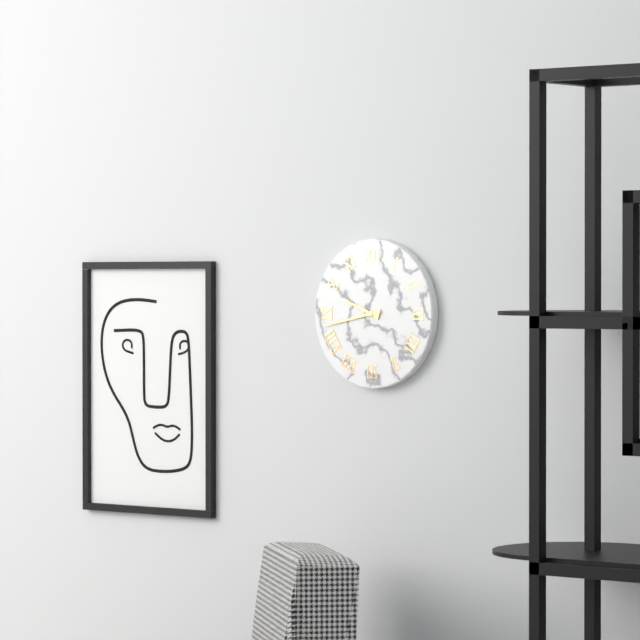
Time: {"hour": 9, "minute": 43}
